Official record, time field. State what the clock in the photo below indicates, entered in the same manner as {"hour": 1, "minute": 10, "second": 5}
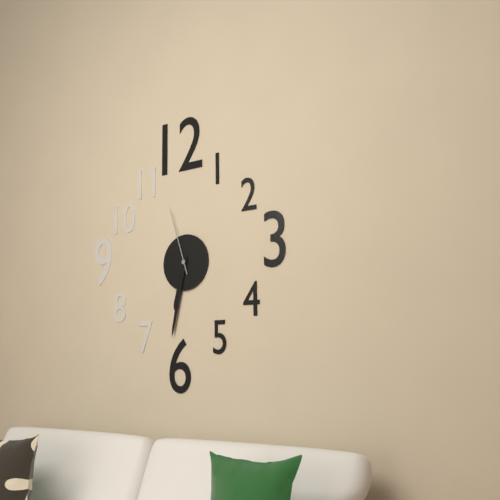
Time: {"hour": 6, "minute": 32, "second": 57}
